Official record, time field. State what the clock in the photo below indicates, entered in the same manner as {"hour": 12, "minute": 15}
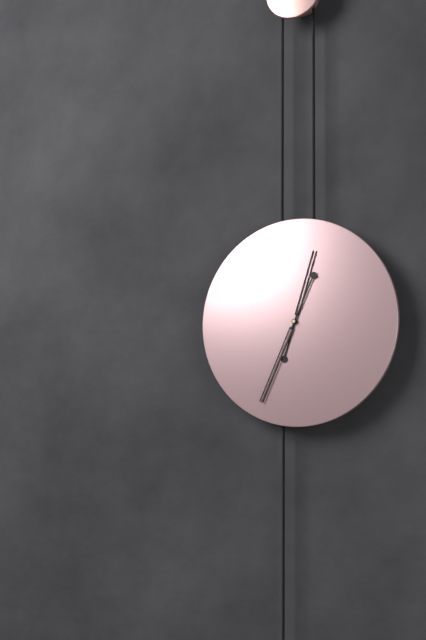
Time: {"hour": 12, "minute": 34}
